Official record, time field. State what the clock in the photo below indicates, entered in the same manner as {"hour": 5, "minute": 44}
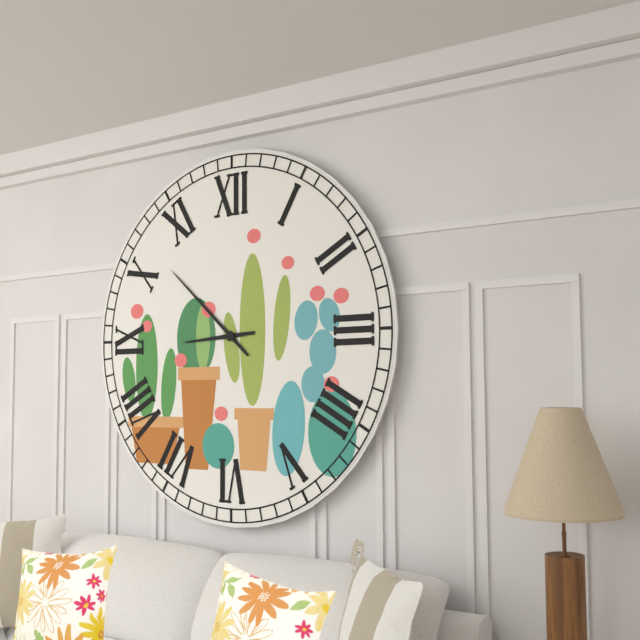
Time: {"hour": 8, "minute": 52}
